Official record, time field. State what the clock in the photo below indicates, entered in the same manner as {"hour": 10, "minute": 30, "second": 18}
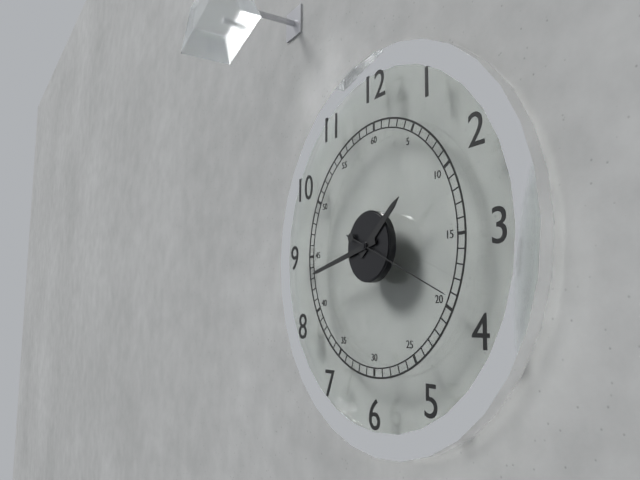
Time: {"hour": 1, "minute": 43, "second": 19}
